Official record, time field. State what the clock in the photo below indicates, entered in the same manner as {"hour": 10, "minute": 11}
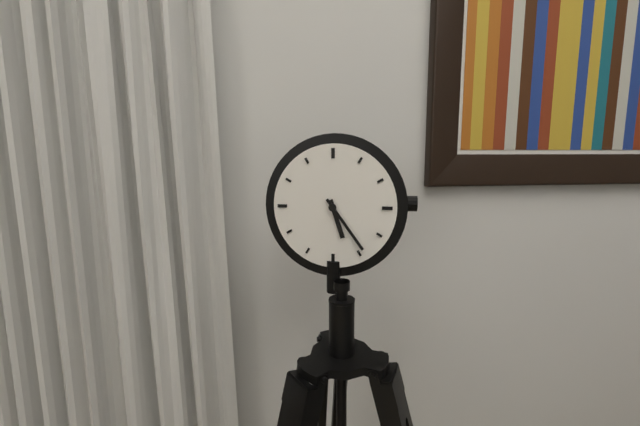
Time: {"hour": 5, "minute": 24}
